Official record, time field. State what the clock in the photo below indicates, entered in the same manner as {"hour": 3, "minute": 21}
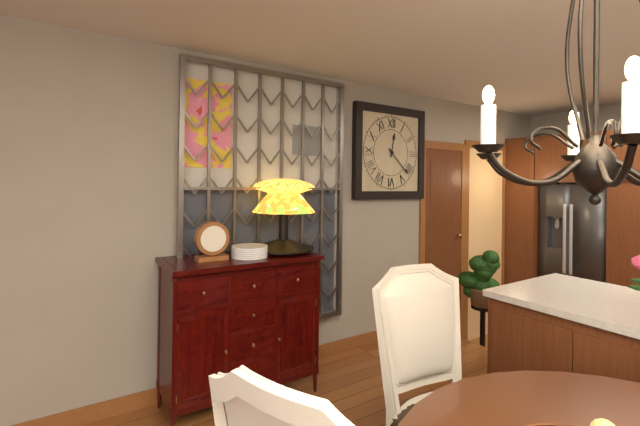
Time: {"hour": 12, "minute": 22}
